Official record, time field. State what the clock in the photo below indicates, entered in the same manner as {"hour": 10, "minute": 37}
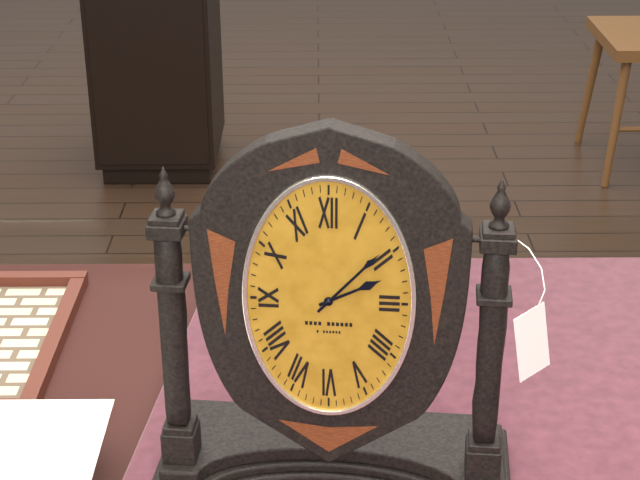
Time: {"hour": 2, "minute": 7}
